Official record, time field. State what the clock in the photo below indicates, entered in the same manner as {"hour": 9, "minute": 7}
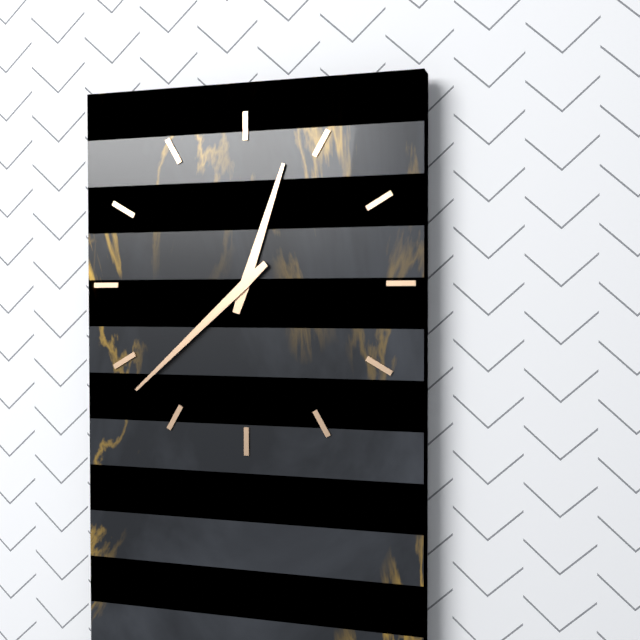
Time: {"hour": 12, "minute": 38}
